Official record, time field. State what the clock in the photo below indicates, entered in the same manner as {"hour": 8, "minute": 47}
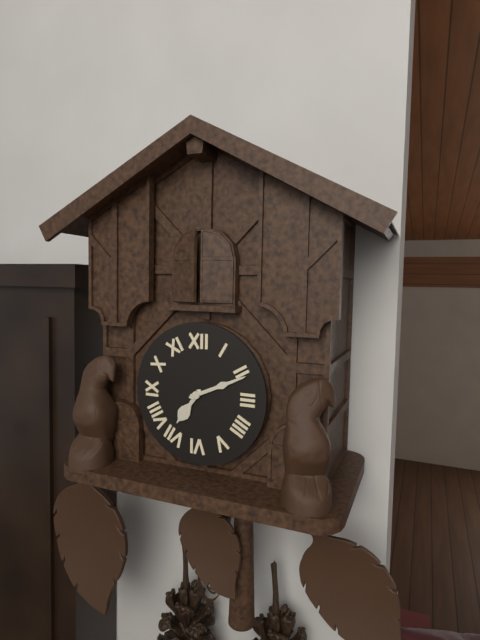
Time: {"hour": 7, "minute": 11}
